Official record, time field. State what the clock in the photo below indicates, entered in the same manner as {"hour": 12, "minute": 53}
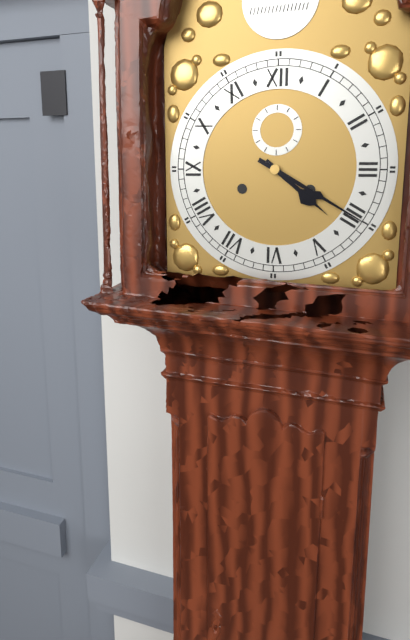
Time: {"hour": 4, "minute": 20}
